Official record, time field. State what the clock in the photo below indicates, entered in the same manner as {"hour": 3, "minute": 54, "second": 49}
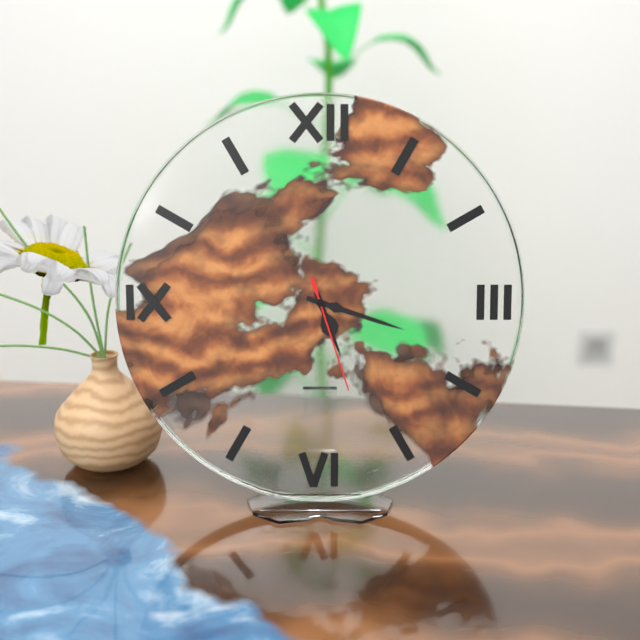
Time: {"hour": 5, "minute": 18, "second": 27}
